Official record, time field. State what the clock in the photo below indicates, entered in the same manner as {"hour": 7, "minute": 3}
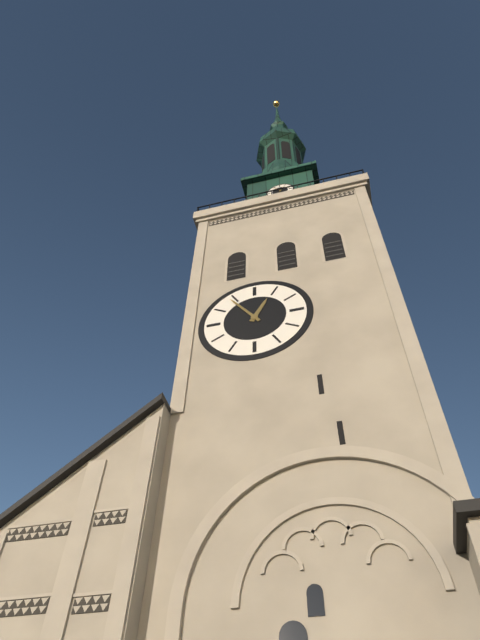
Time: {"hour": 12, "minute": 54}
